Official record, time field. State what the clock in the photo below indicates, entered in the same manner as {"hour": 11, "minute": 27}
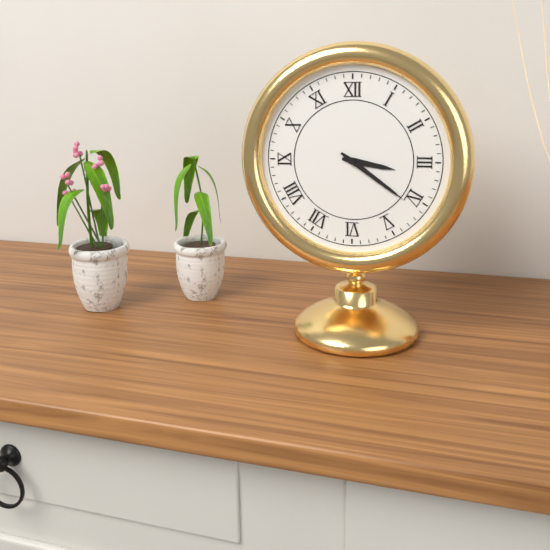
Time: {"hour": 3, "minute": 21}
